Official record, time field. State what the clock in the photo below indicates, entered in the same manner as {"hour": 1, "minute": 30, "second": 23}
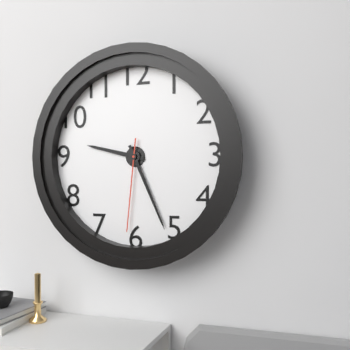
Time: {"hour": 9, "minute": 26, "second": 31}
